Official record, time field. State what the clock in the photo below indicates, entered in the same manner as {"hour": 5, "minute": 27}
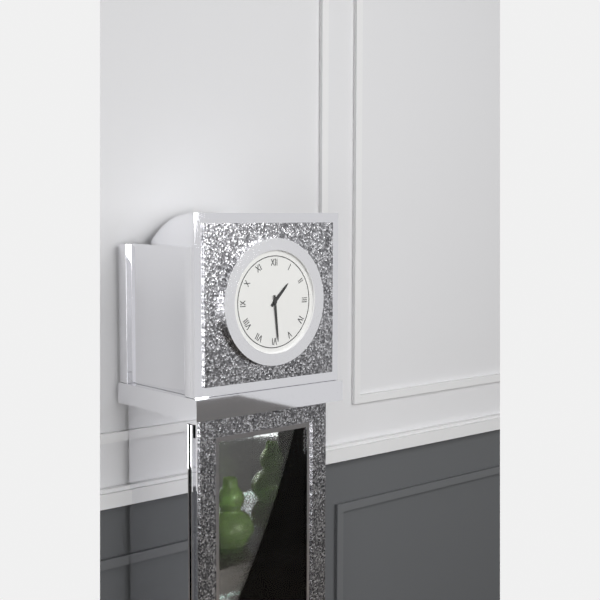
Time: {"hour": 1, "minute": 29}
